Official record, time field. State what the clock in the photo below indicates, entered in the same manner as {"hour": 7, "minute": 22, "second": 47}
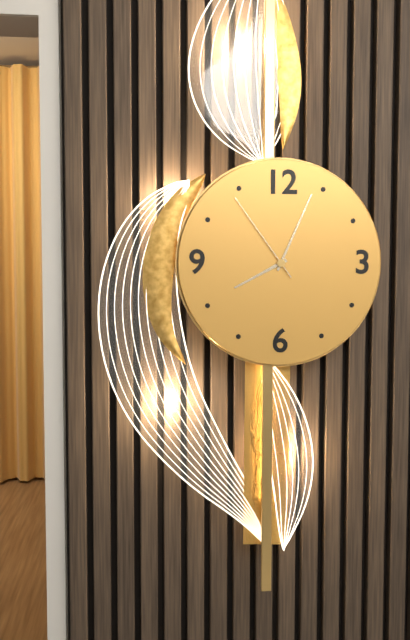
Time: {"hour": 8, "minute": 4, "second": 54}
